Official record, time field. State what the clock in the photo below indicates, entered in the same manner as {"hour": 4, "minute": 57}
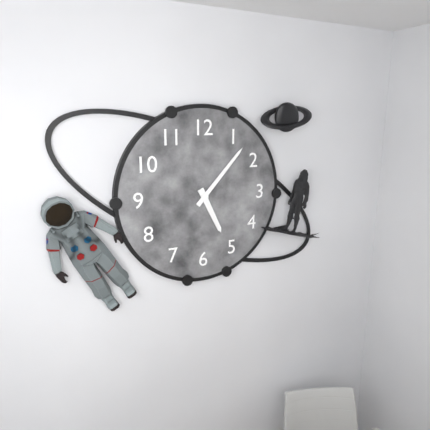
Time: {"hour": 5, "minute": 7}
